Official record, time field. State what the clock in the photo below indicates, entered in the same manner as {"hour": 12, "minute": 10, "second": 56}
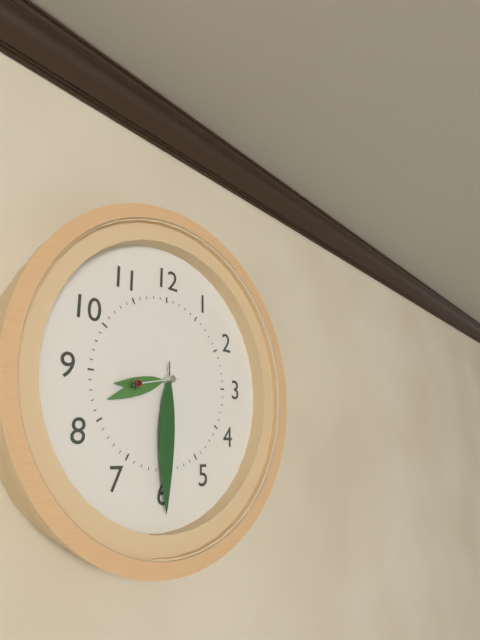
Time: {"hour": 8, "minute": 30, "second": 43}
